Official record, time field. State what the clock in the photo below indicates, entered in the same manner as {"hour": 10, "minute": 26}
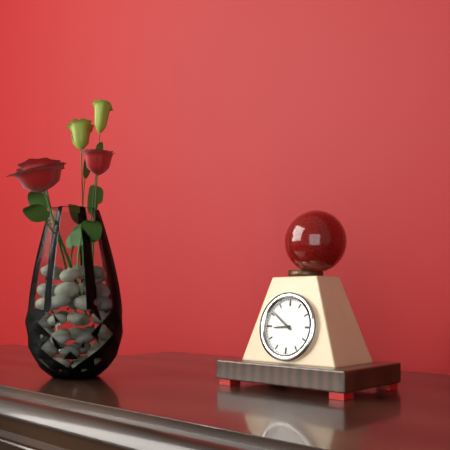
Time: {"hour": 8, "minute": 51}
